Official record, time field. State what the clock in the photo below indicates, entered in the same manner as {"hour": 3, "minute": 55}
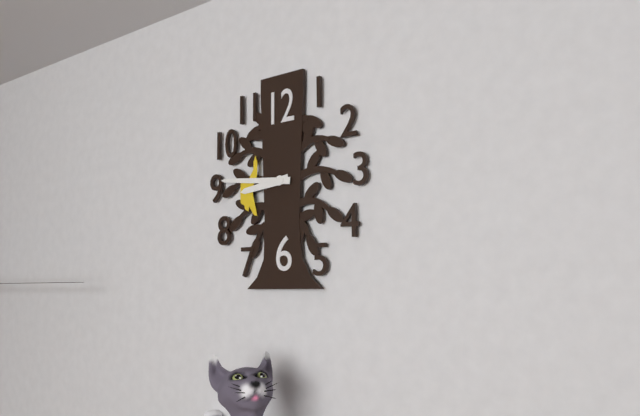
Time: {"hour": 8, "minute": 46}
